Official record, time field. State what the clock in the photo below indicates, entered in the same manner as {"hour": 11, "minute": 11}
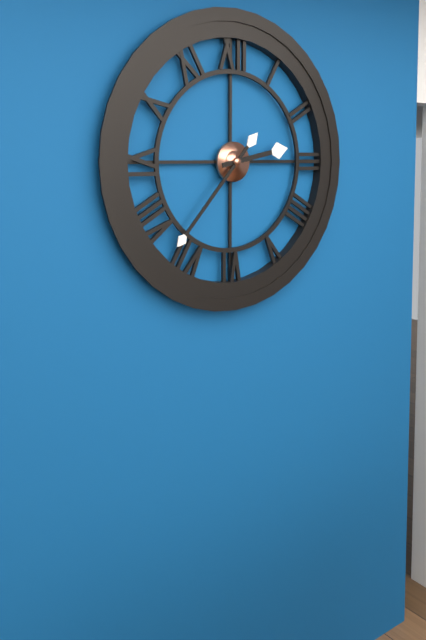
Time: {"hour": 2, "minute": 37}
